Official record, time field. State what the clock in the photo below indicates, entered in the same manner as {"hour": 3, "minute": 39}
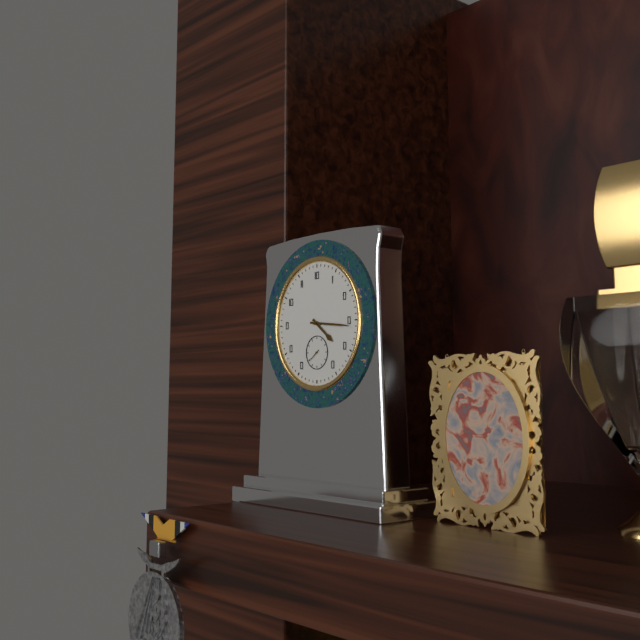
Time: {"hour": 4, "minute": 16}
